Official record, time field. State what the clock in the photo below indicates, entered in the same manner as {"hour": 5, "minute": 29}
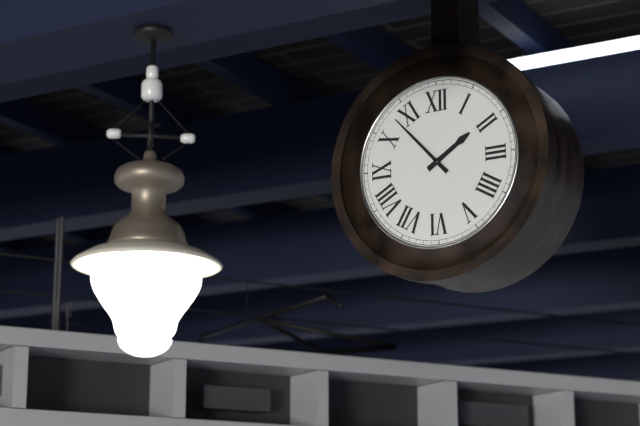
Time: {"hour": 1, "minute": 53}
